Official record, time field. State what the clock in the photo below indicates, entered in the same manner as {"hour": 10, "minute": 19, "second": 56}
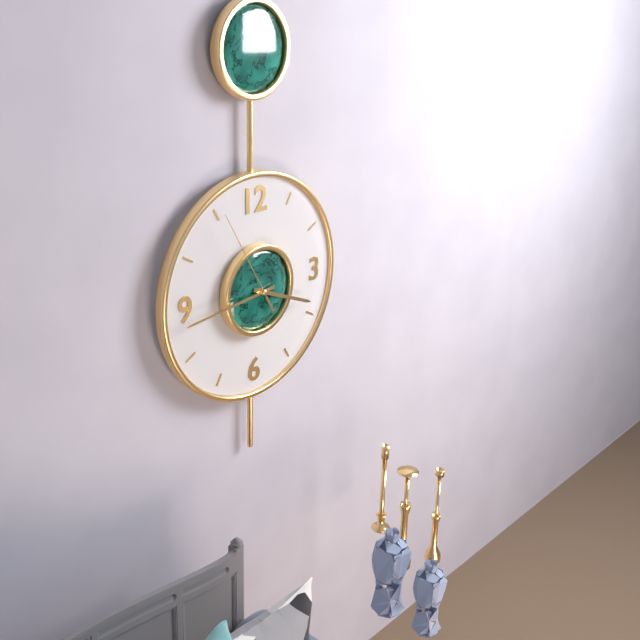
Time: {"hour": 3, "minute": 44, "second": 55}
